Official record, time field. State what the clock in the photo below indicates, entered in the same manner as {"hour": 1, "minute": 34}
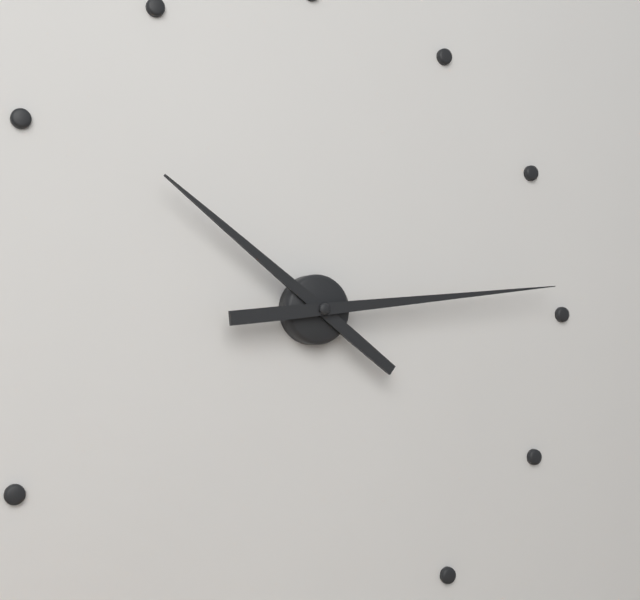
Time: {"hour": 10, "minute": 14}
